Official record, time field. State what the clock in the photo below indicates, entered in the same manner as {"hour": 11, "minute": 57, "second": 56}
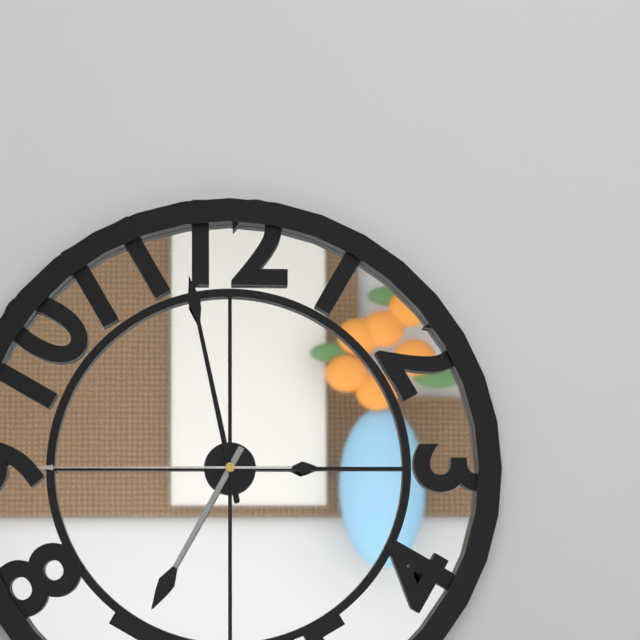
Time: {"hour": 6, "minute": 58, "second": 45}
